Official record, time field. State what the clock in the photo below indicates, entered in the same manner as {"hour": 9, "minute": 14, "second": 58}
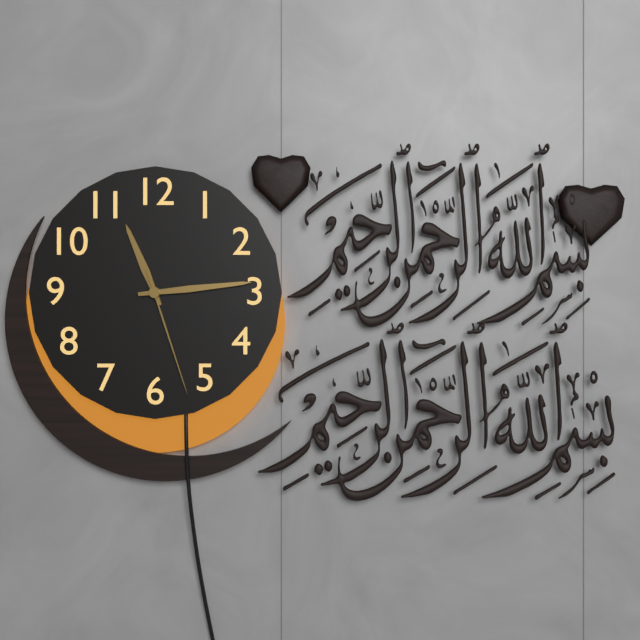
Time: {"hour": 11, "minute": 14, "second": 27}
